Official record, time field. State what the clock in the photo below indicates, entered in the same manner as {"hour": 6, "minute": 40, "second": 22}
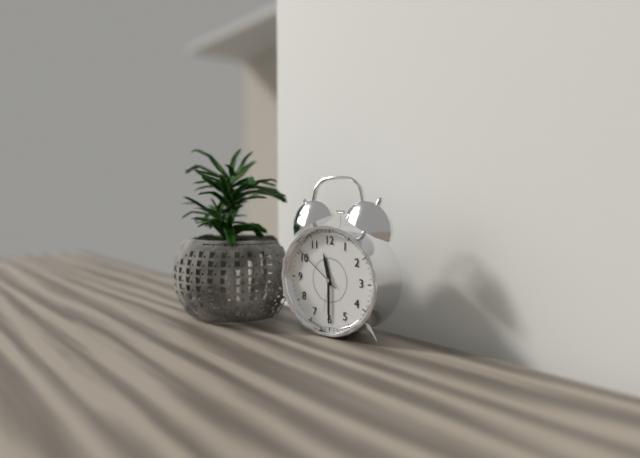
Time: {"hour": 11, "minute": 30, "second": 51}
